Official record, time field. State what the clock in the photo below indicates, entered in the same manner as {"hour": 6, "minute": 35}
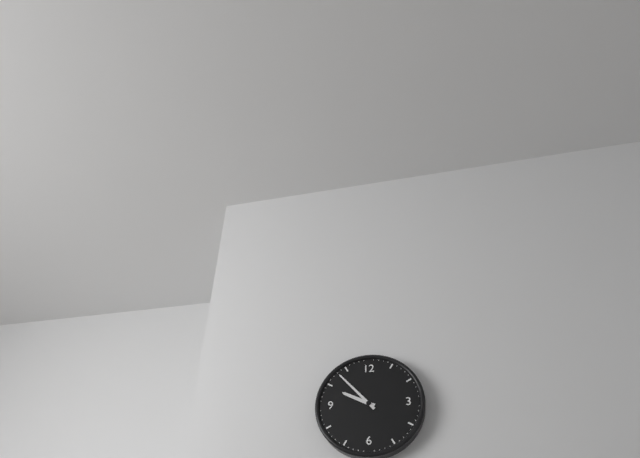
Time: {"hour": 9, "minute": 53}
